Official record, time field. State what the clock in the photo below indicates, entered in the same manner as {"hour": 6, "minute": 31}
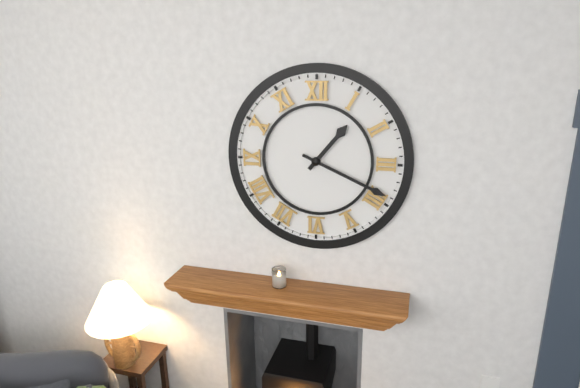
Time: {"hour": 1, "minute": 19}
